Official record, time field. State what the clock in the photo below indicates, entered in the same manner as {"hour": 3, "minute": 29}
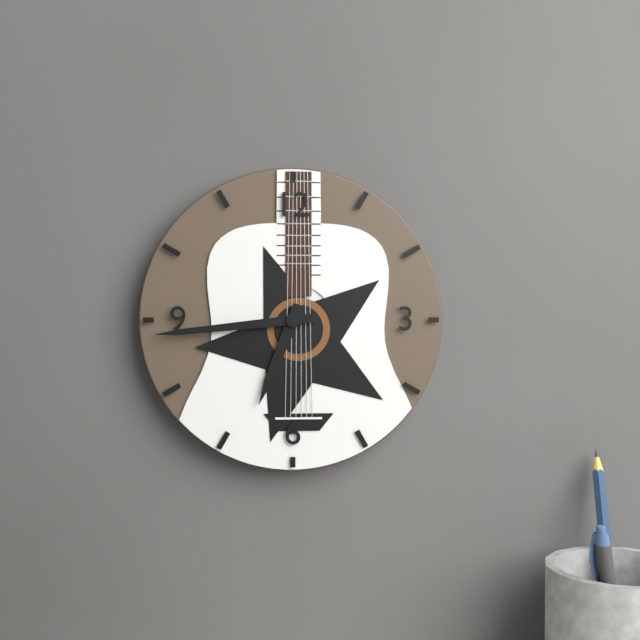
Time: {"hour": 6, "minute": 44}
